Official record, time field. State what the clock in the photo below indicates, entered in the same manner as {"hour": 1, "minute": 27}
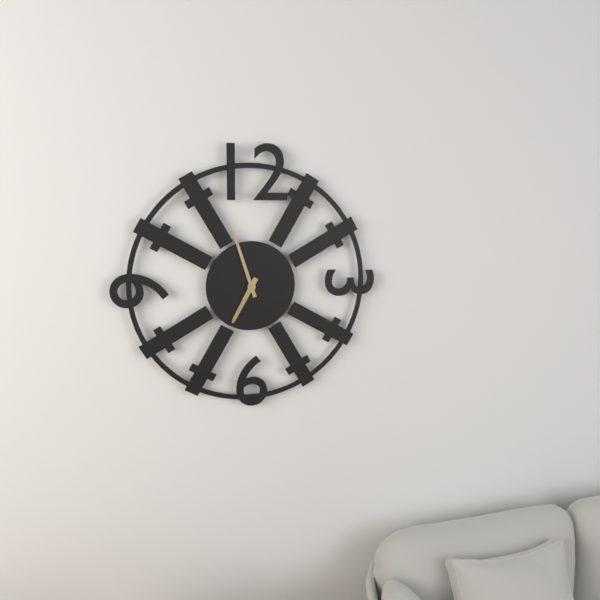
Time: {"hour": 6, "minute": 57}
